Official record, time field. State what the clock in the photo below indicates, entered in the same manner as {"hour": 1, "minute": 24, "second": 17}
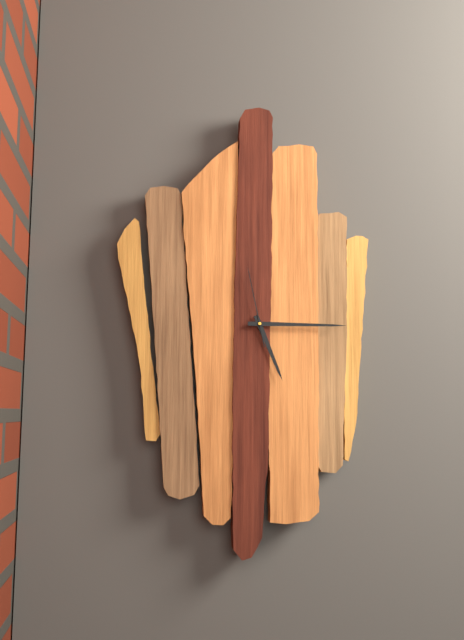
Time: {"hour": 5, "minute": 15, "second": 58}
